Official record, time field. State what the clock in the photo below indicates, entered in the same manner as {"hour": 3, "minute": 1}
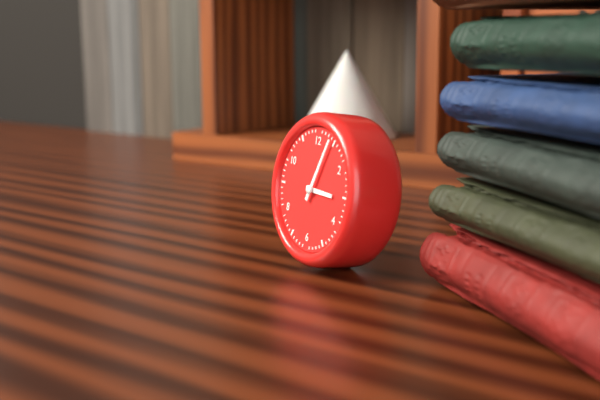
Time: {"hour": 3, "minute": 4}
